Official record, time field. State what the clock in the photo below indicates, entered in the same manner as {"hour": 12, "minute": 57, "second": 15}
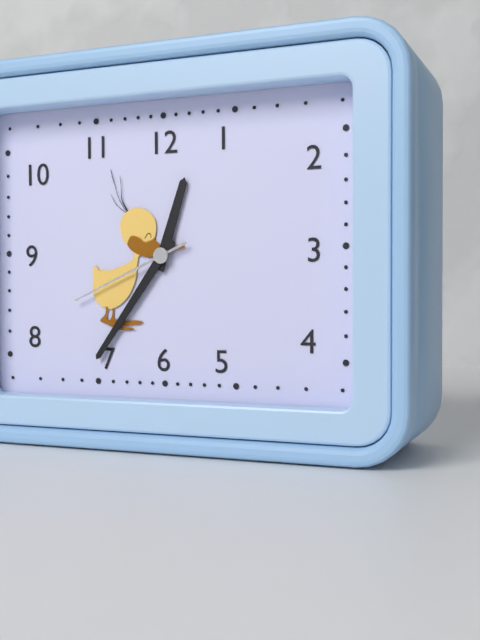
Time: {"hour": 12, "minute": 36, "second": 41}
